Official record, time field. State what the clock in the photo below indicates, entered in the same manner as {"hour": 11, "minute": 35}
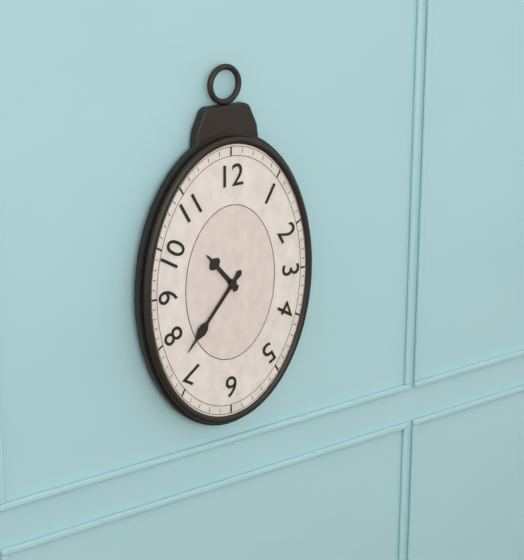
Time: {"hour": 10, "minute": 37}
